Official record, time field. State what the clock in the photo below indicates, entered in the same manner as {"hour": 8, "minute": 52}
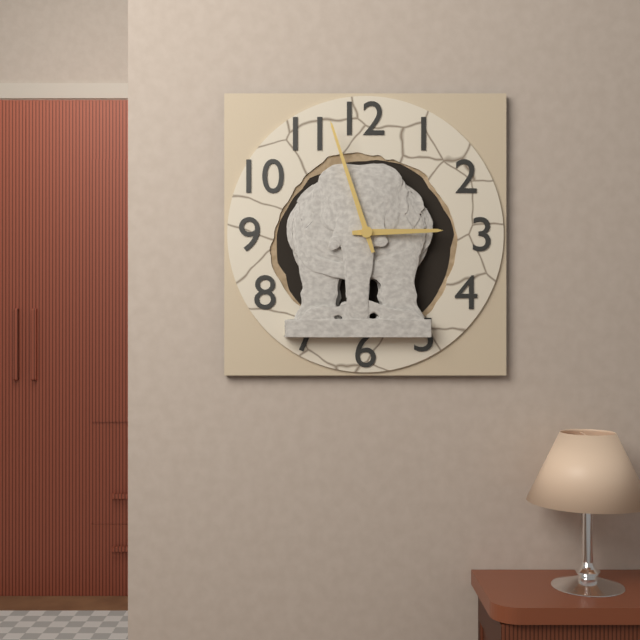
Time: {"hour": 2, "minute": 57}
